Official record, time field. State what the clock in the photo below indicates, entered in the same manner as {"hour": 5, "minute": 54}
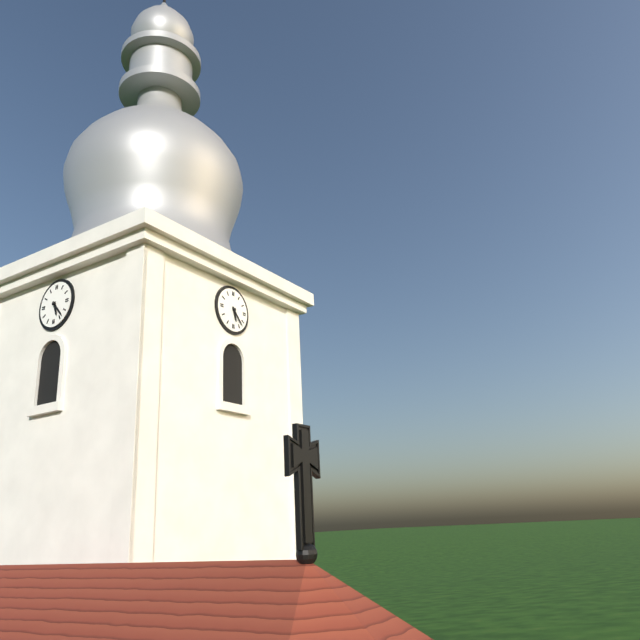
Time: {"hour": 5, "minute": 23}
